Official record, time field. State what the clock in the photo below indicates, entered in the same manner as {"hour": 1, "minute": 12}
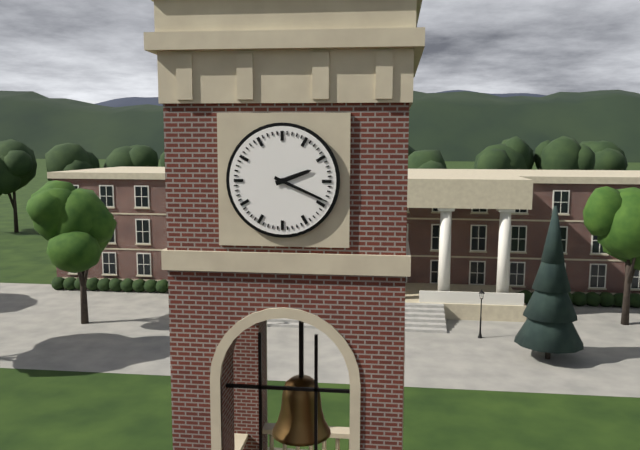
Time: {"hour": 2, "minute": 19}
